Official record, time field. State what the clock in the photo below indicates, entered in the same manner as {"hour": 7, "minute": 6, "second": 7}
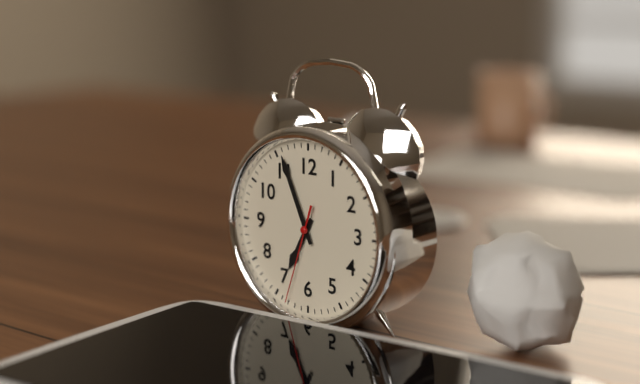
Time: {"hour": 6, "minute": 56, "second": 33}
